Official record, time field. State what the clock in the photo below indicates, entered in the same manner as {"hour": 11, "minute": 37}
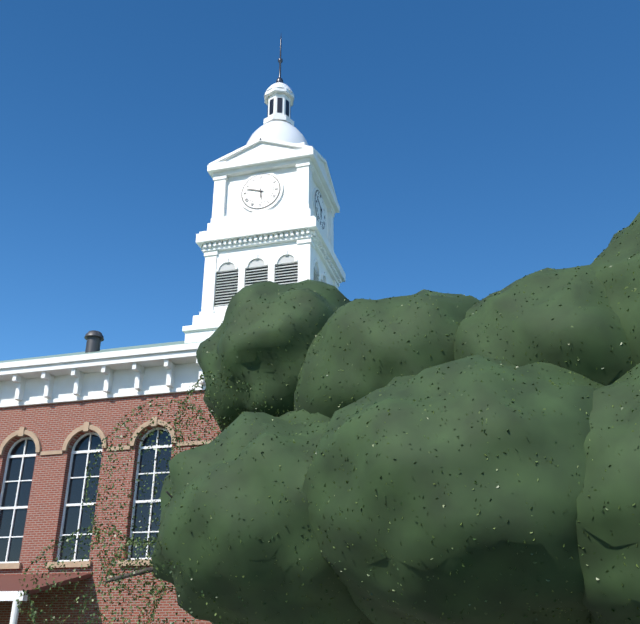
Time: {"hour": 5, "minute": 48}
